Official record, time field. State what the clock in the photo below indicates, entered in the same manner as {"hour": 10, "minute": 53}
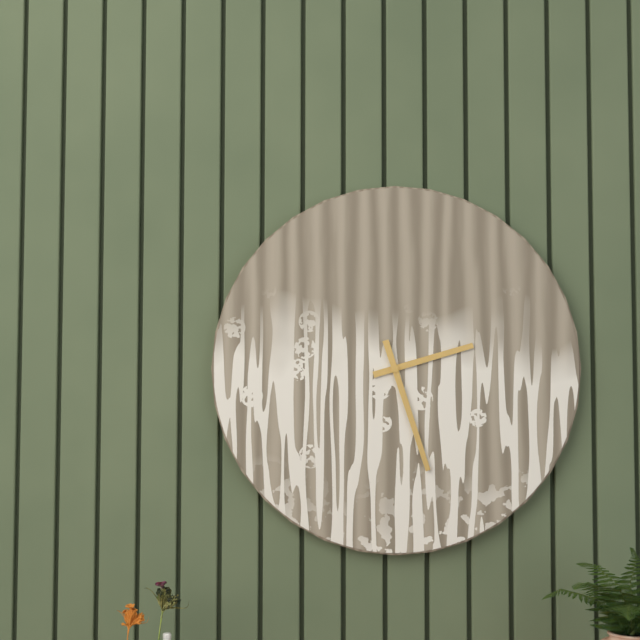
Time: {"hour": 2, "minute": 27}
